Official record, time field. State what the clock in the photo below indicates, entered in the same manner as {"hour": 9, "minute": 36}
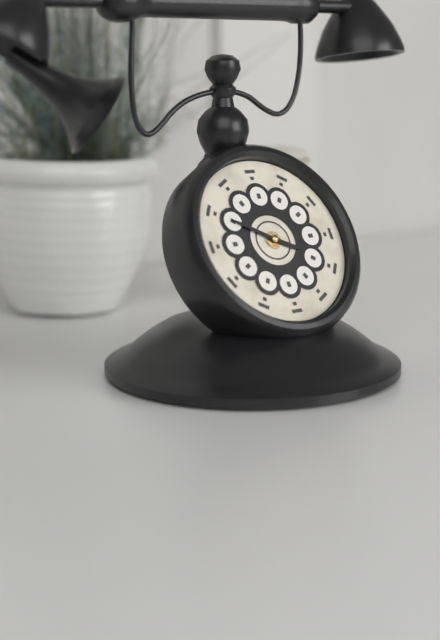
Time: {"hour": 3, "minute": 50}
